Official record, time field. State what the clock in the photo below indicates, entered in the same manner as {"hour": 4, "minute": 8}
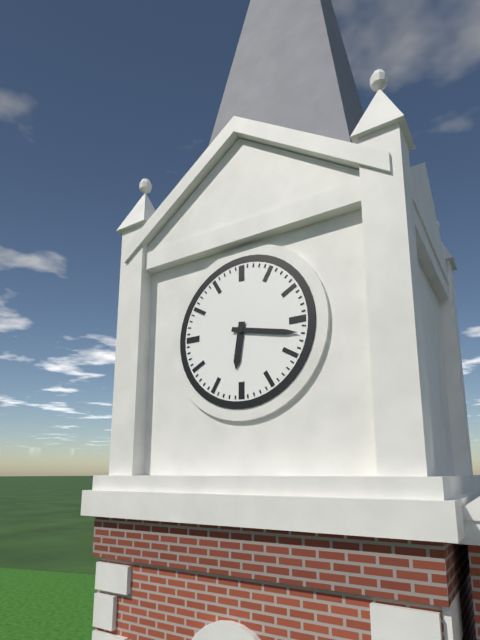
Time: {"hour": 6, "minute": 17}
